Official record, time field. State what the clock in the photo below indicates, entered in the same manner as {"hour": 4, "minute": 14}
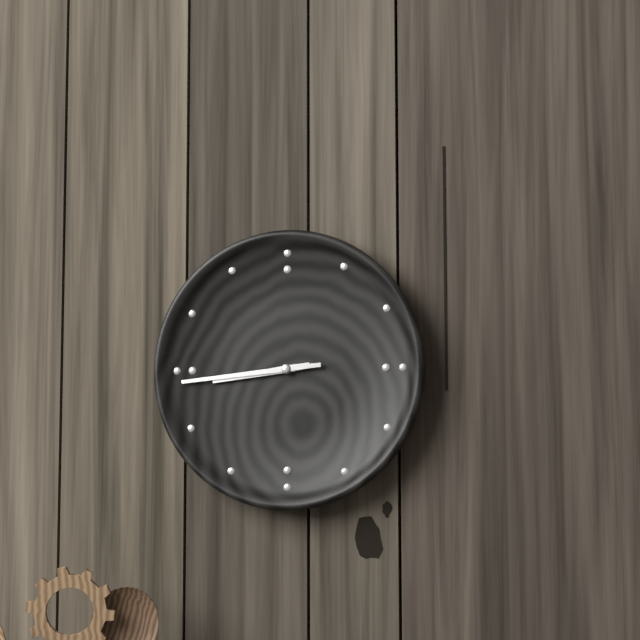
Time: {"hour": 8, "minute": 44}
